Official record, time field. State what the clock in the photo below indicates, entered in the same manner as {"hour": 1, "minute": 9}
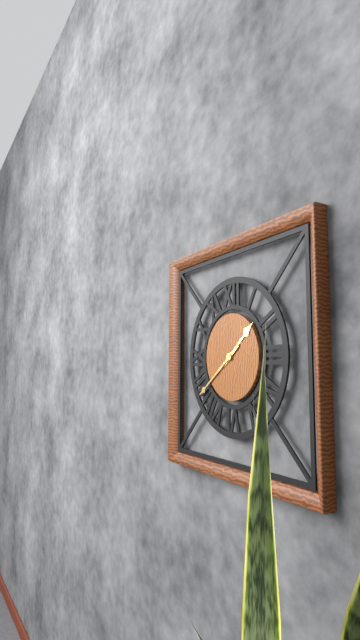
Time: {"hour": 1, "minute": 39}
